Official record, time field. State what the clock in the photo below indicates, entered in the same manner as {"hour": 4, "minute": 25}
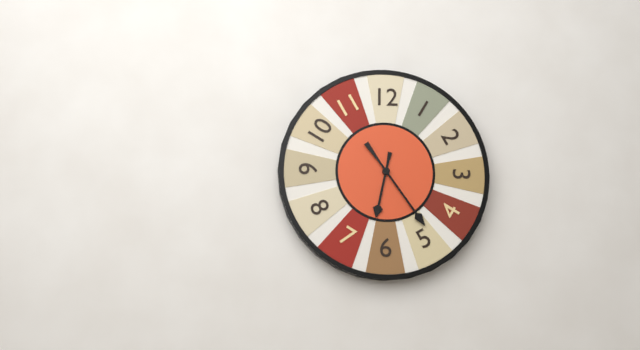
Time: {"hour": 6, "minute": 24}
